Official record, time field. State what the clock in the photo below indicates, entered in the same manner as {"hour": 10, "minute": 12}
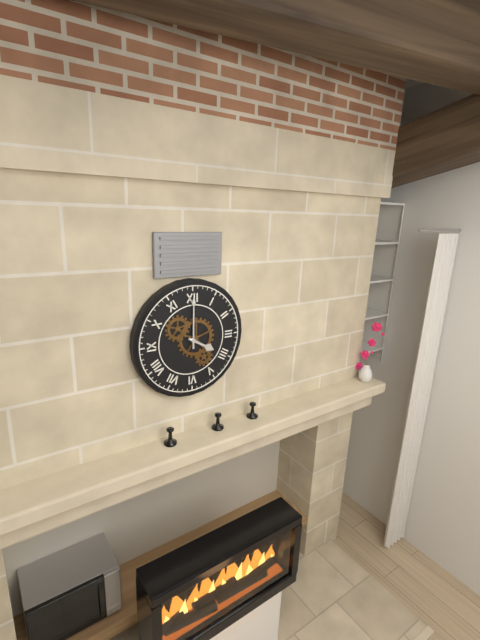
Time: {"hour": 4, "minute": 0}
